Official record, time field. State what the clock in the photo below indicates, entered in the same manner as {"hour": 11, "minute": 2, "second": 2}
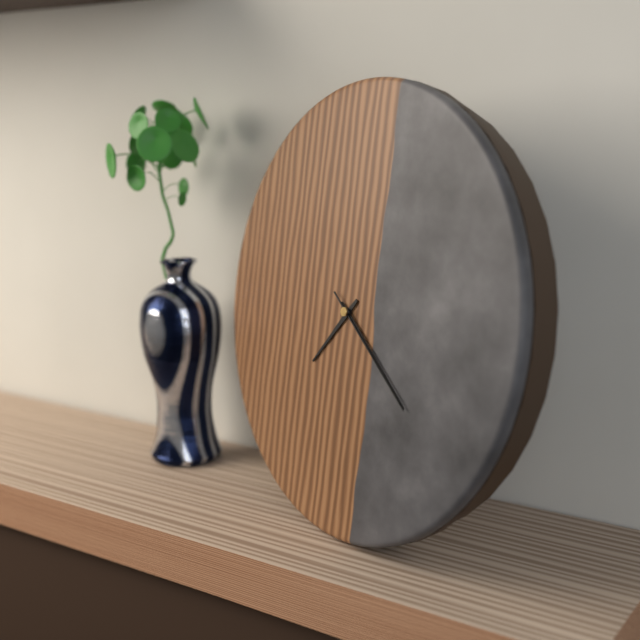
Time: {"hour": 7, "minute": 21, "second": 21}
